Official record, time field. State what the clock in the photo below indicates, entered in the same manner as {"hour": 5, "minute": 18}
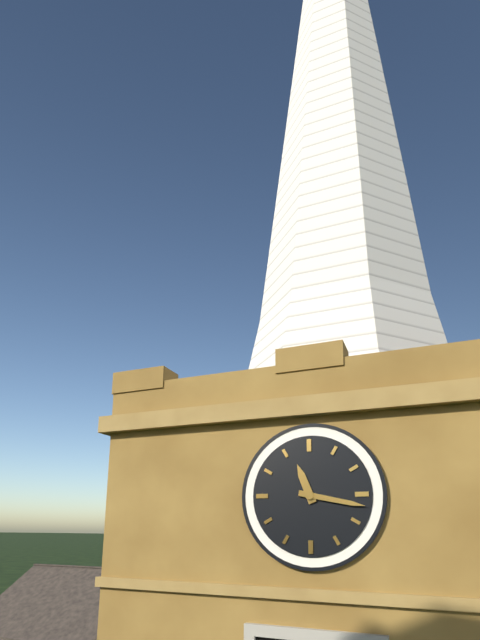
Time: {"hour": 11, "minute": 17}
